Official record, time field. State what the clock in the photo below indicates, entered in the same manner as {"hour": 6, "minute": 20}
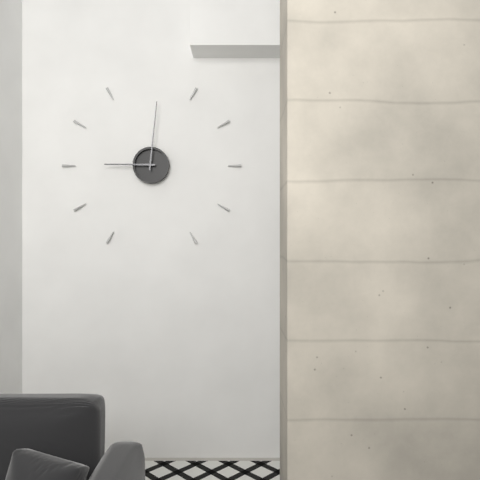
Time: {"hour": 9, "minute": 1}
